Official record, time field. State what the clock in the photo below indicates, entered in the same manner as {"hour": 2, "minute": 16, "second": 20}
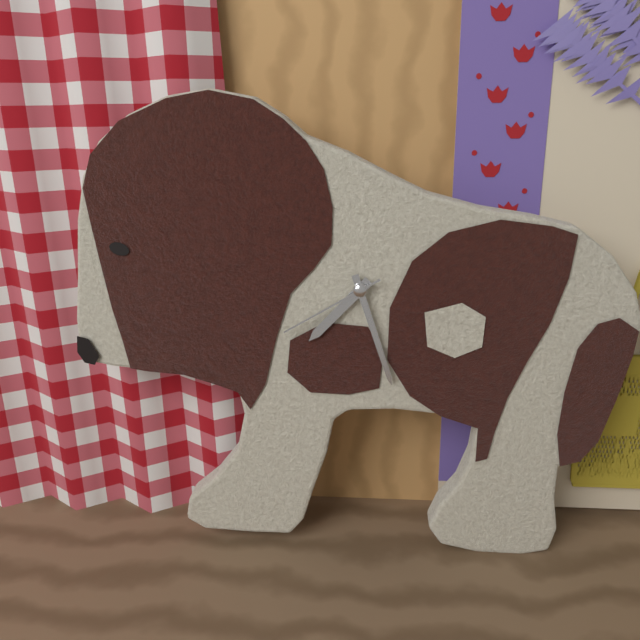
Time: {"hour": 7, "minute": 27, "second": 40}
